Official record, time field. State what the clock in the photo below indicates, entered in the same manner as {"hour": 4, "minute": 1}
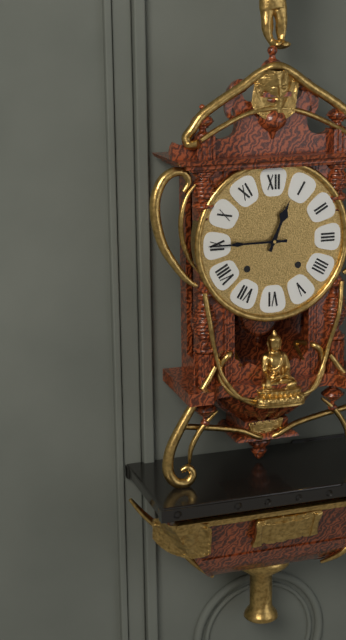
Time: {"hour": 12, "minute": 45}
